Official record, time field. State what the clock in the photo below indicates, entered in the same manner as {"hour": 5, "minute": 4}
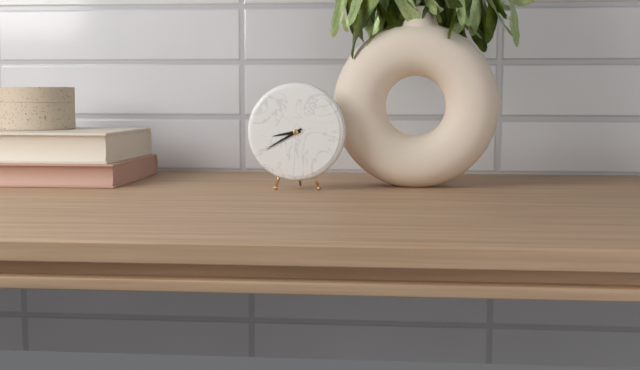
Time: {"hour": 8, "minute": 40}
